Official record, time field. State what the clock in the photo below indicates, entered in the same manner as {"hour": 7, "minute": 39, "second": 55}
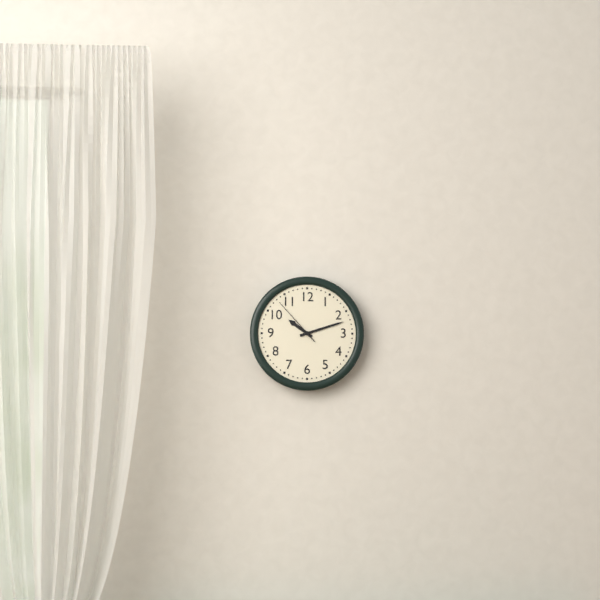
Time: {"hour": 10, "minute": 12, "second": 53}
